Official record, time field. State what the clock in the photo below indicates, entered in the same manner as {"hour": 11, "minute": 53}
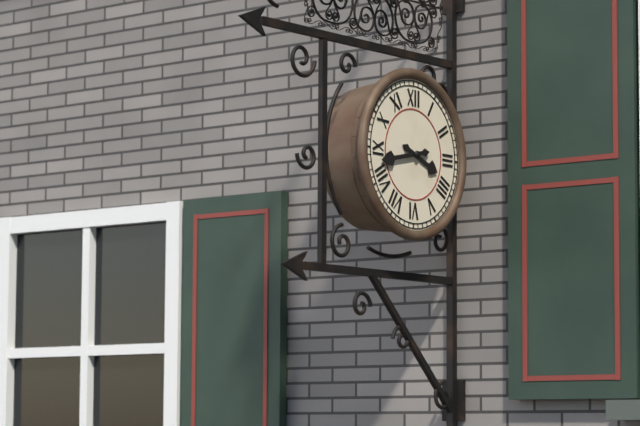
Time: {"hour": 3, "minute": 43}
